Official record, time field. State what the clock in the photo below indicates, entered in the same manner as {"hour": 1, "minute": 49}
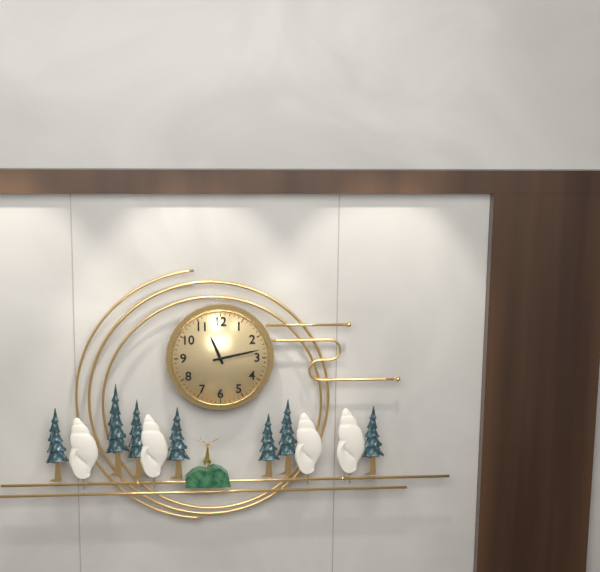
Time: {"hour": 11, "minute": 13}
